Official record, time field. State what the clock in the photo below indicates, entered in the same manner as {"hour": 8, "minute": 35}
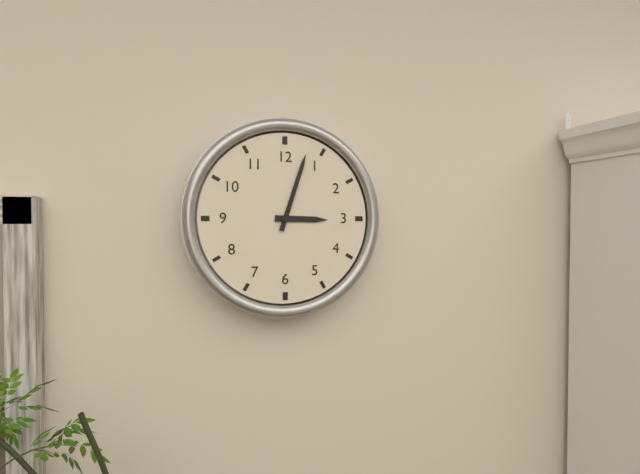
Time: {"hour": 3, "minute": 3}
